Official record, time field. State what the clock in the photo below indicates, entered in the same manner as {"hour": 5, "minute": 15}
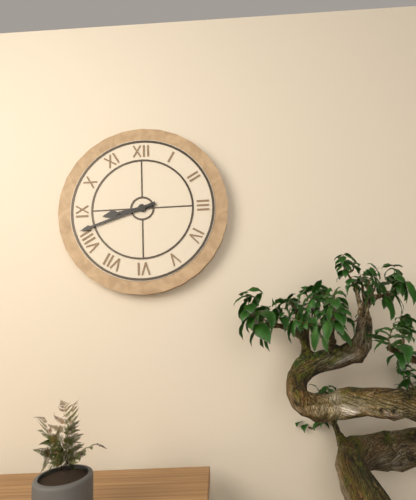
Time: {"hour": 8, "minute": 42}
